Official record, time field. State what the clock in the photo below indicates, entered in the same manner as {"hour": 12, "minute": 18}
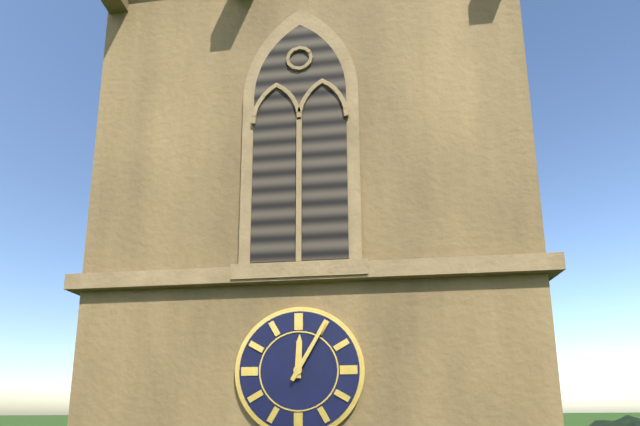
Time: {"hour": 12, "minute": 5}
